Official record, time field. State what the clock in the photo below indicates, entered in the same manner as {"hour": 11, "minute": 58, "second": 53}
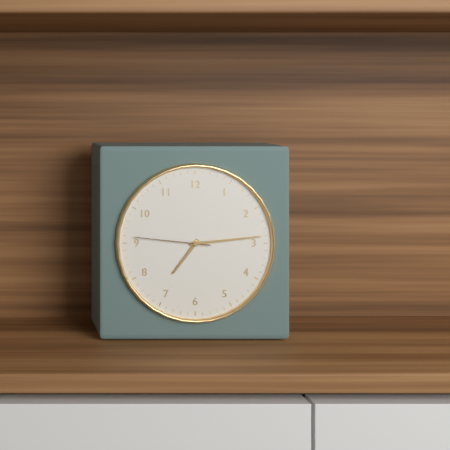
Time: {"hour": 7, "minute": 14, "second": 46}
